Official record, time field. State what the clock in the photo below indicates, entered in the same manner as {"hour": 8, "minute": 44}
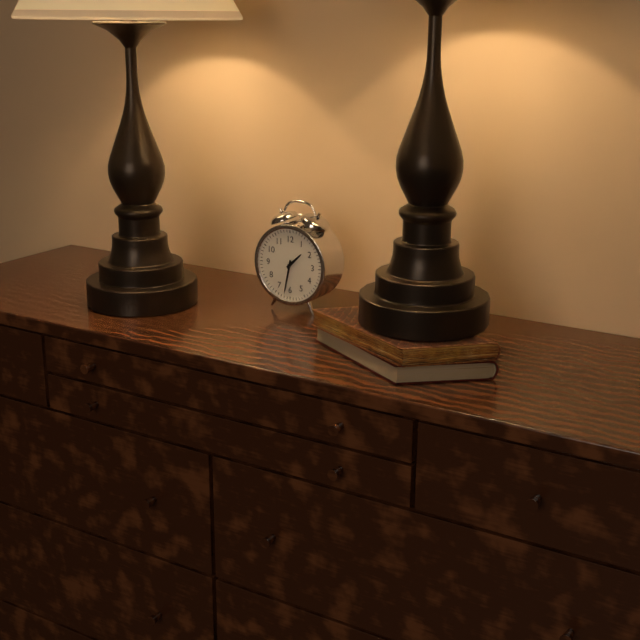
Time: {"hour": 1, "minute": 32}
